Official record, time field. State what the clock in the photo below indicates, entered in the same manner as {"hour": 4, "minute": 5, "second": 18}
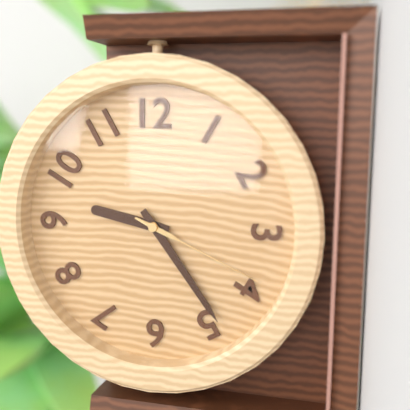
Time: {"hour": 9, "minute": 24, "second": 19}
